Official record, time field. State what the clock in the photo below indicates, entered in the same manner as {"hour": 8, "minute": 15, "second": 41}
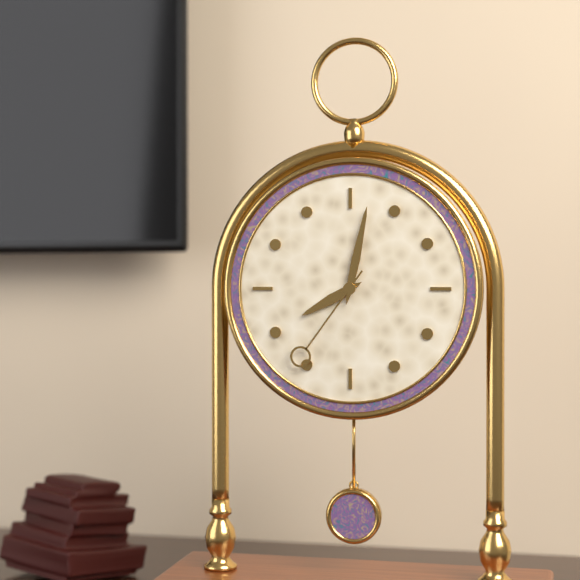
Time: {"hour": 8, "minute": 2, "second": 36}
